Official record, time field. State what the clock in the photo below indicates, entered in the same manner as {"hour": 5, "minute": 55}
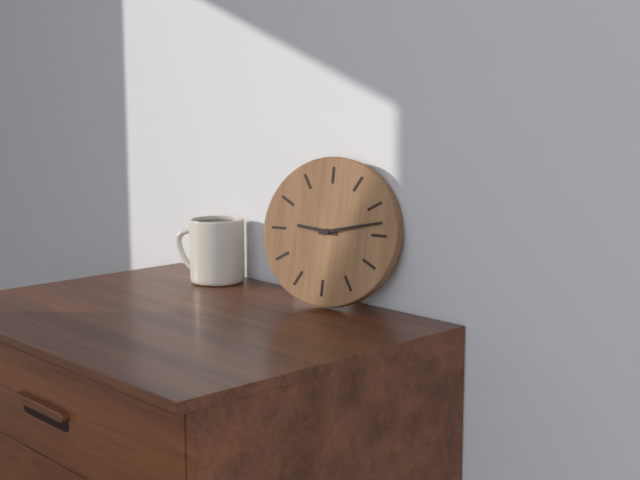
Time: {"hour": 9, "minute": 13}
